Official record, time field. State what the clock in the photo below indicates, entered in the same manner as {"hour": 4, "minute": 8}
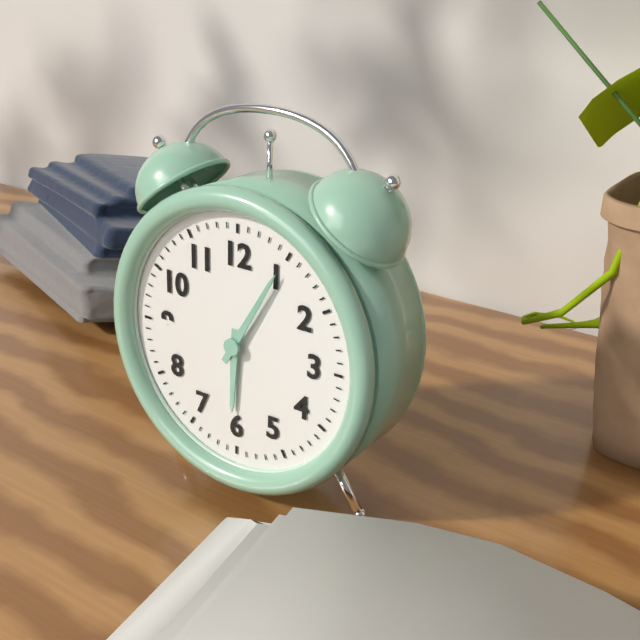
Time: {"hour": 6, "minute": 5}
